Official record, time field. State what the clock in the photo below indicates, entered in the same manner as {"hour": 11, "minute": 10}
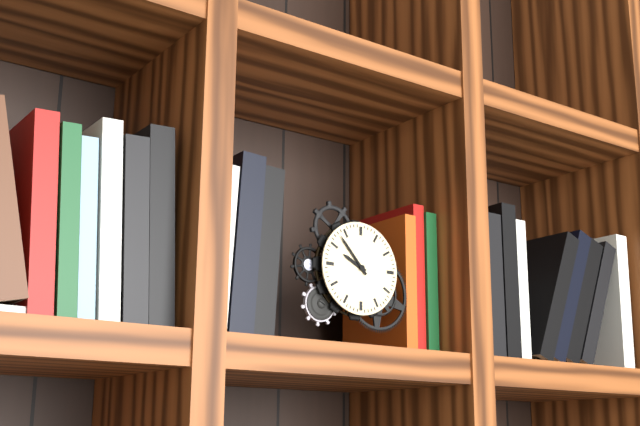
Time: {"hour": 9, "minute": 53}
